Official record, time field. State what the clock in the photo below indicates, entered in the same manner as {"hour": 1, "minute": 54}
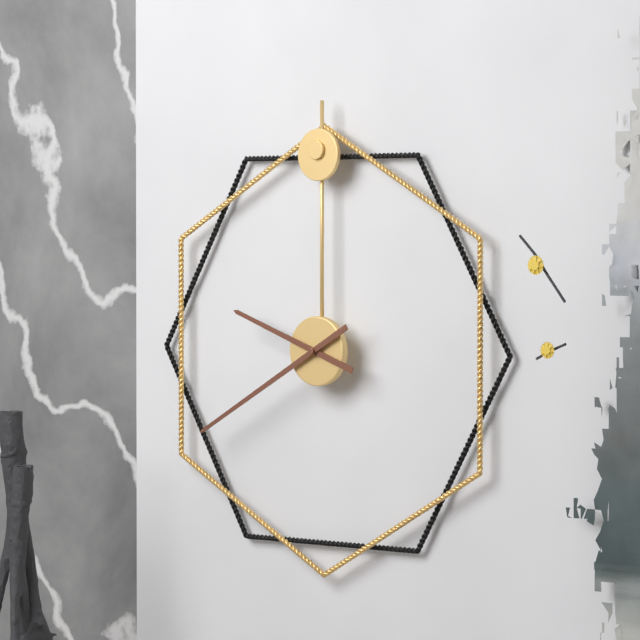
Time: {"hour": 9, "minute": 40}
